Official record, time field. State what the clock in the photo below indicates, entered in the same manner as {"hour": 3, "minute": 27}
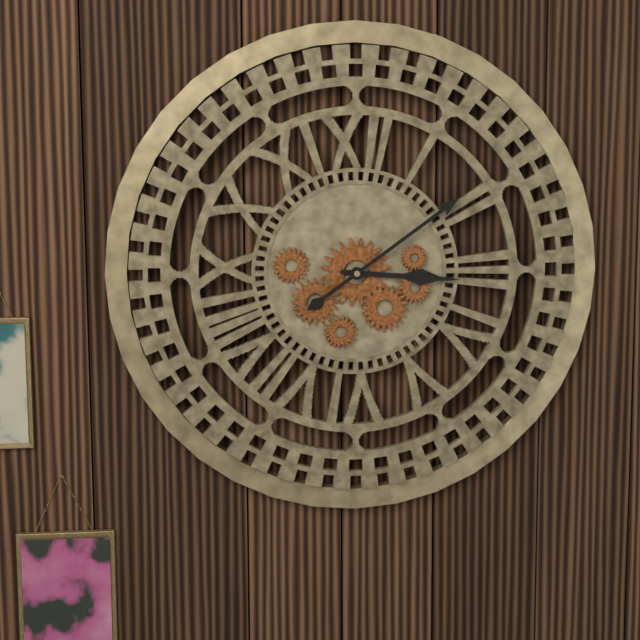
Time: {"hour": 3, "minute": 9}
